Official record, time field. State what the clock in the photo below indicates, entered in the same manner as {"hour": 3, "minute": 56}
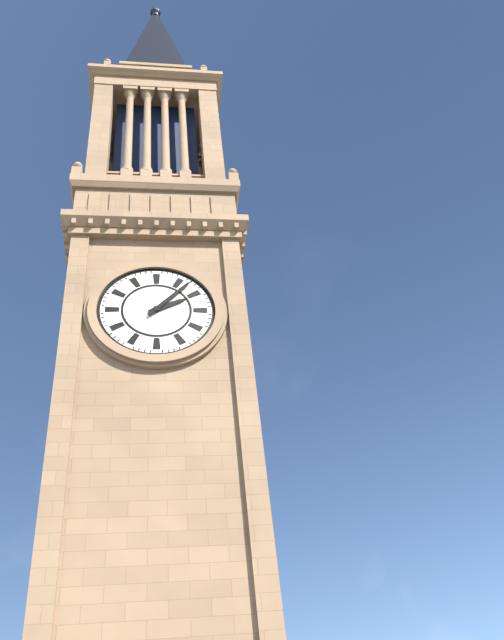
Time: {"hour": 2, "minute": 7}
